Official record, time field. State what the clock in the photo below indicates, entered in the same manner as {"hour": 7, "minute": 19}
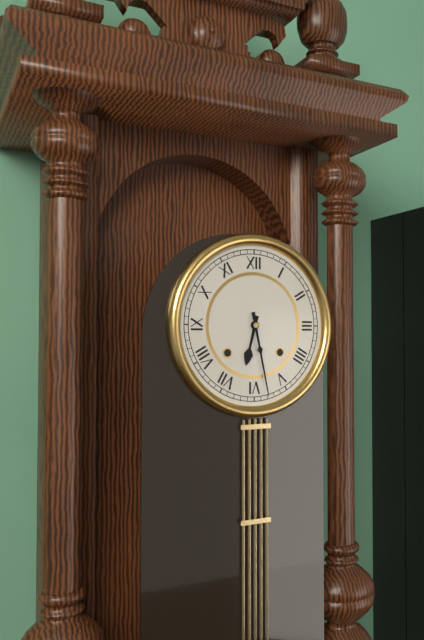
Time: {"hour": 6, "minute": 28}
